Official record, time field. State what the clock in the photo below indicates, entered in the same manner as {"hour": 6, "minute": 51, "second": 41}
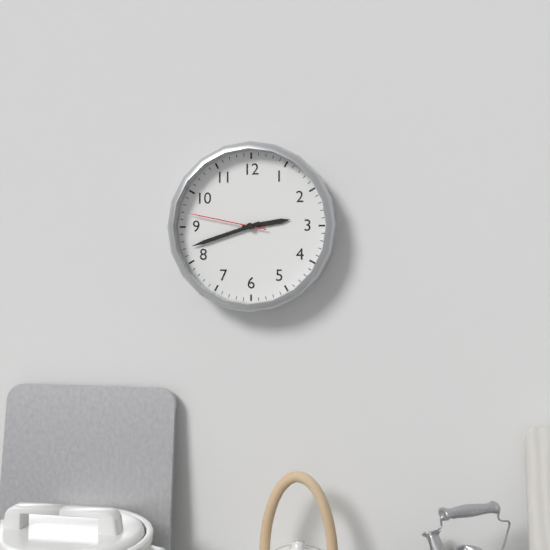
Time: {"hour": 2, "minute": 42, "second": 47}
